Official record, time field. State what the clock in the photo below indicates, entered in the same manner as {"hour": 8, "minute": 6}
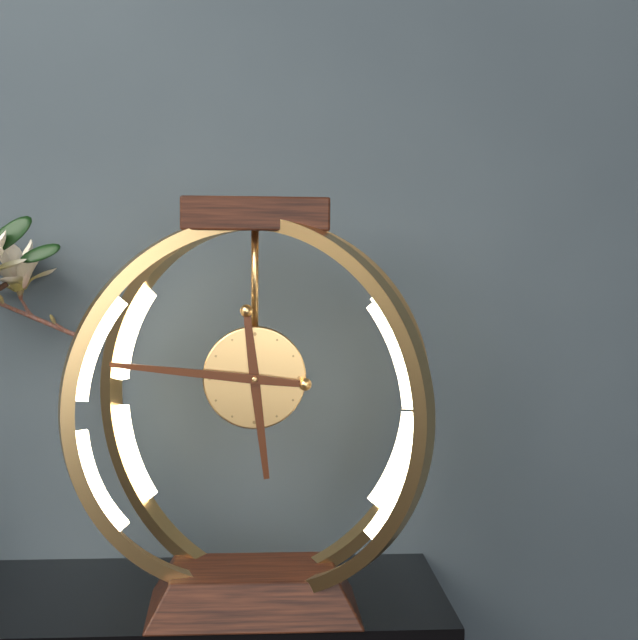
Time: {"hour": 5, "minute": 46}
